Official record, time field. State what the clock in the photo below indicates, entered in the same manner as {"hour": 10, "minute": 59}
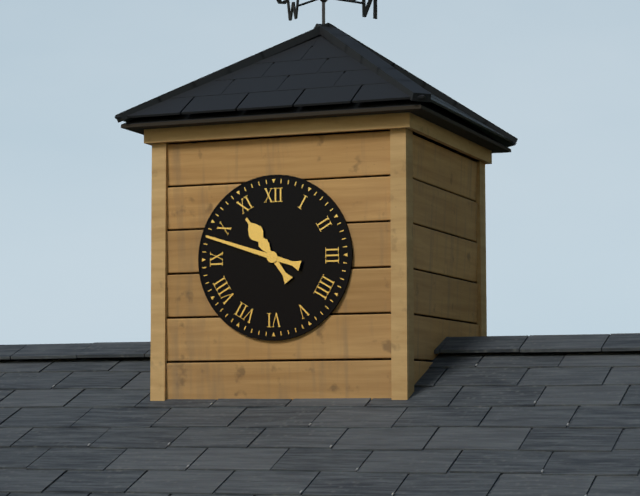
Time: {"hour": 10, "minute": 48}
